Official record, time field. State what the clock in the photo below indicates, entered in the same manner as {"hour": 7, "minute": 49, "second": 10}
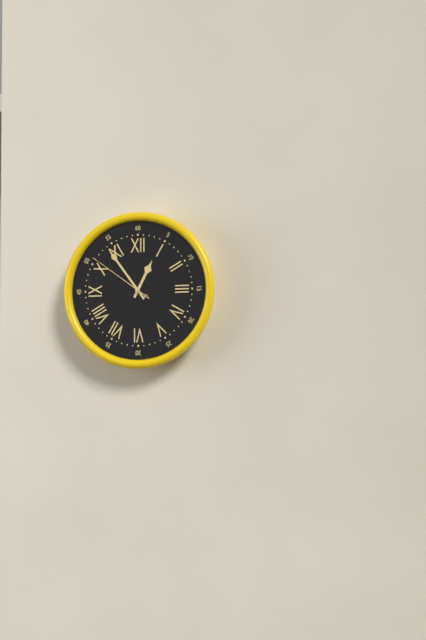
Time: {"hour": 12, "minute": 54, "second": 51}
